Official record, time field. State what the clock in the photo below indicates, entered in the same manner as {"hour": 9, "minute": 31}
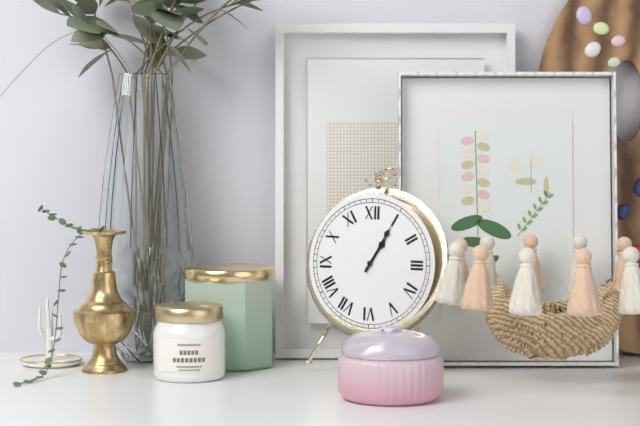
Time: {"hour": 1, "minute": 5}
